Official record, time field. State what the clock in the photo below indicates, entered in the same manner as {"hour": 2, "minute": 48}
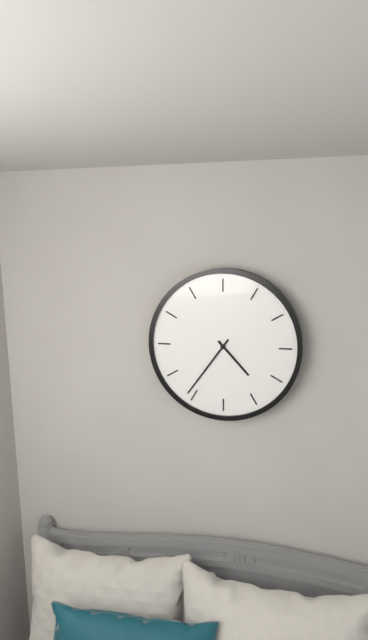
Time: {"hour": 4, "minute": 36}
